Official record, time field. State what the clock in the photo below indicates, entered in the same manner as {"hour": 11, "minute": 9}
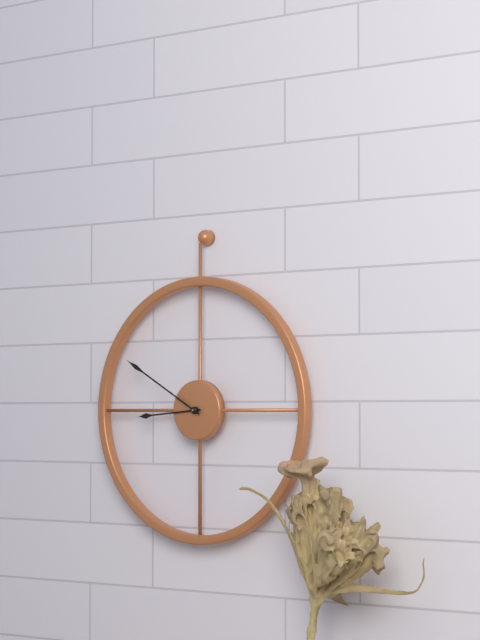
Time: {"hour": 8, "minute": 50}
